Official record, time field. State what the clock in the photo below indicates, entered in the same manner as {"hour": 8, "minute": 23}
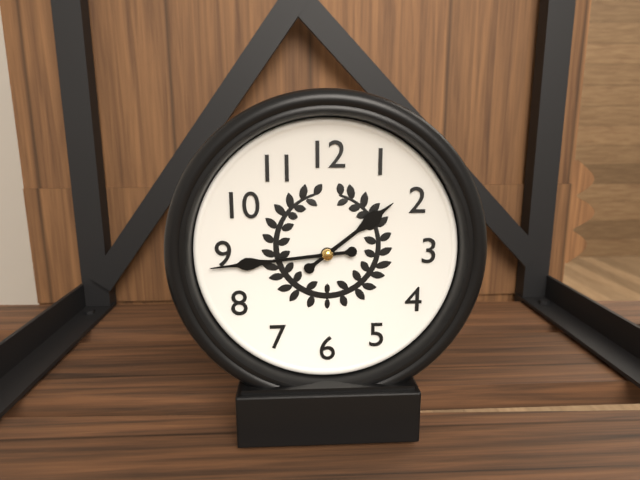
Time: {"hour": 1, "minute": 44}
